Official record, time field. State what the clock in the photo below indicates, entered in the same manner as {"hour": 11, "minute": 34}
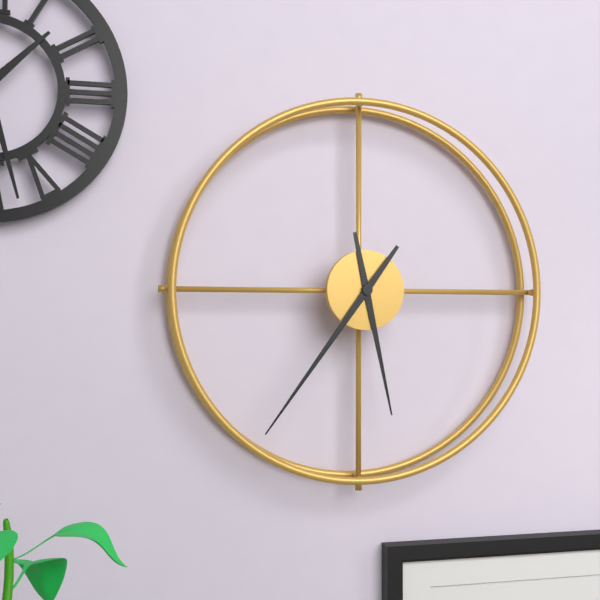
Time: {"hour": 5, "minute": 36}
